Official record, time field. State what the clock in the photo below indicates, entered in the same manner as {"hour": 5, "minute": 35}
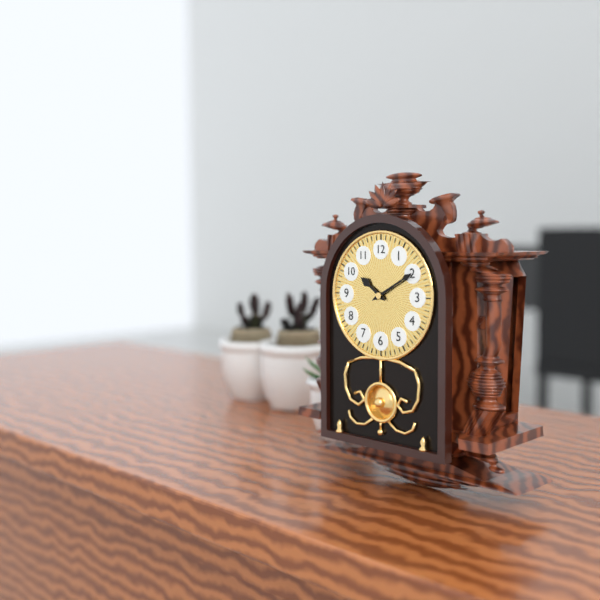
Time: {"hour": 10, "minute": 10}
